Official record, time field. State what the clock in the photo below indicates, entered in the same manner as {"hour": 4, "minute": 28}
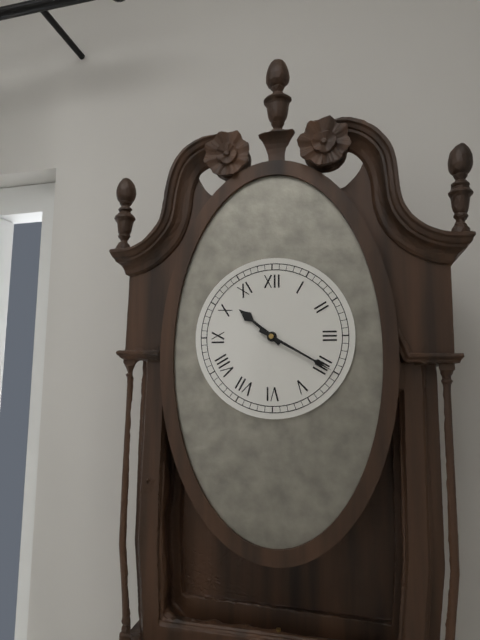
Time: {"hour": 10, "minute": 20}
